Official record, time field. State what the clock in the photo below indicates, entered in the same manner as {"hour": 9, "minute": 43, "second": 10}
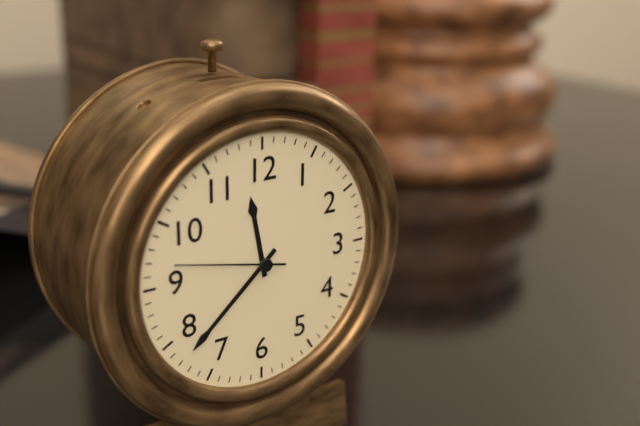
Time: {"hour": 11, "minute": 38, "second": 47}
